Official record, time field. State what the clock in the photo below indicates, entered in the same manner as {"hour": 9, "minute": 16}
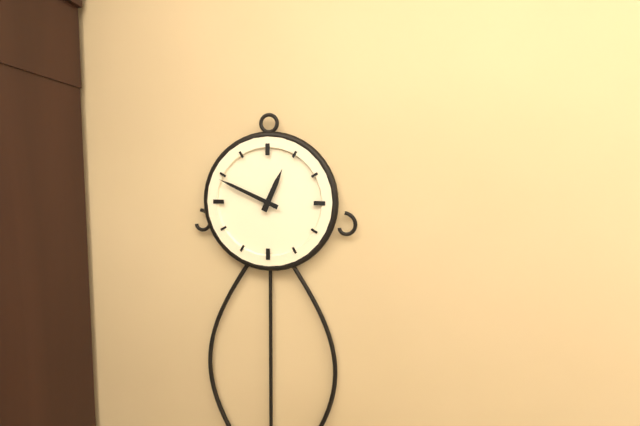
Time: {"hour": 12, "minute": 49}
